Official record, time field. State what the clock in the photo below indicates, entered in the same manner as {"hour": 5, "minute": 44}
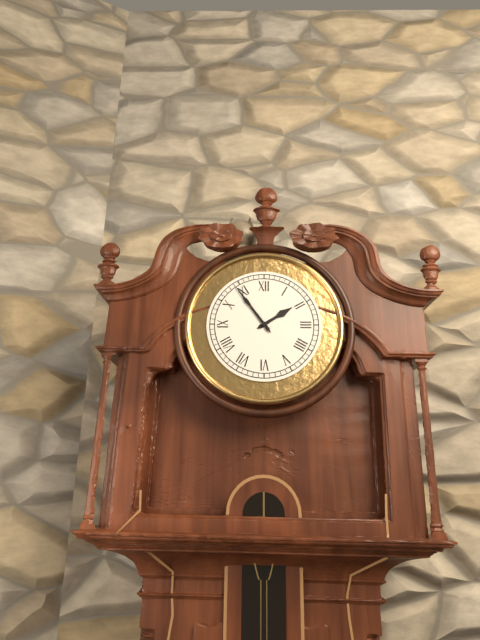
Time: {"hour": 1, "minute": 54}
